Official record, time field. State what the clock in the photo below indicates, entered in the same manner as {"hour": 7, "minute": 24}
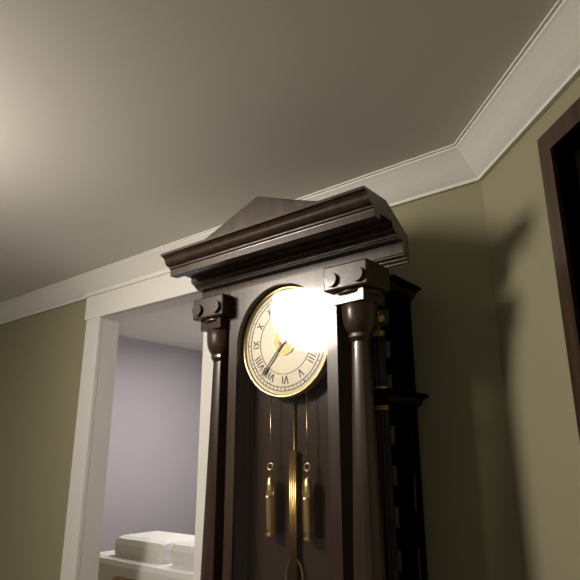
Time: {"hour": 2, "minute": 37}
